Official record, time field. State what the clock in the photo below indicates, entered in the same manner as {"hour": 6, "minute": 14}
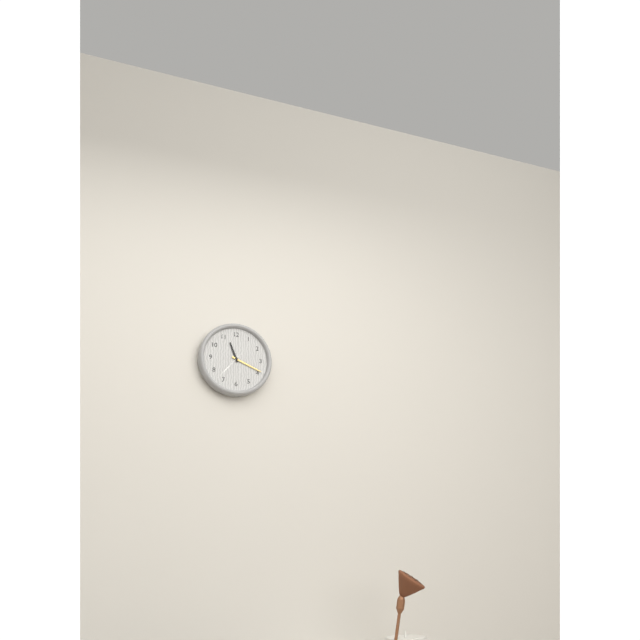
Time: {"hour": 11, "minute": 19}
